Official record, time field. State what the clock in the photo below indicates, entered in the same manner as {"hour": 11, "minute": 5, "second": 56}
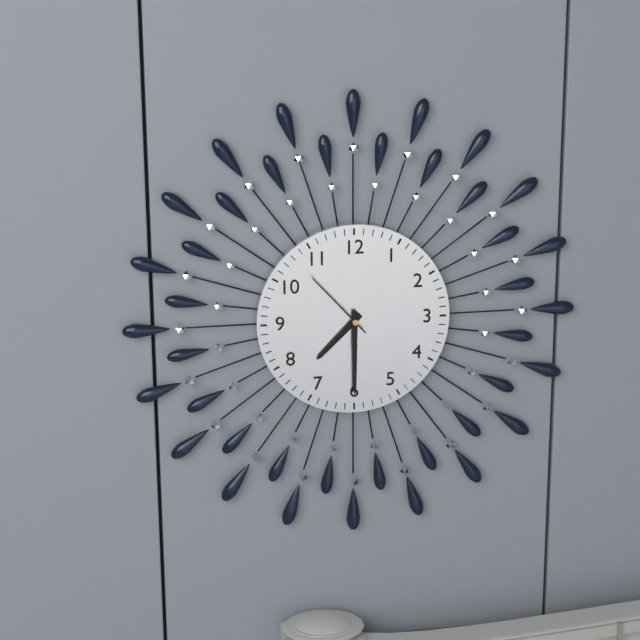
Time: {"hour": 7, "minute": 30, "second": 53}
